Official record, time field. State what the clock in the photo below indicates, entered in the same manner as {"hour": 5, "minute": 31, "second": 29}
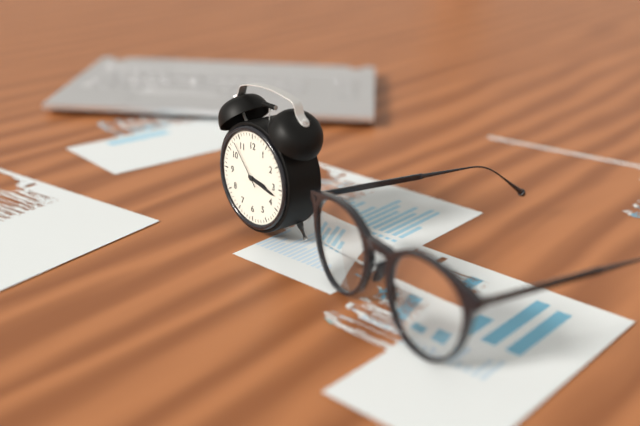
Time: {"hour": 3, "minute": 17, "second": 53}
